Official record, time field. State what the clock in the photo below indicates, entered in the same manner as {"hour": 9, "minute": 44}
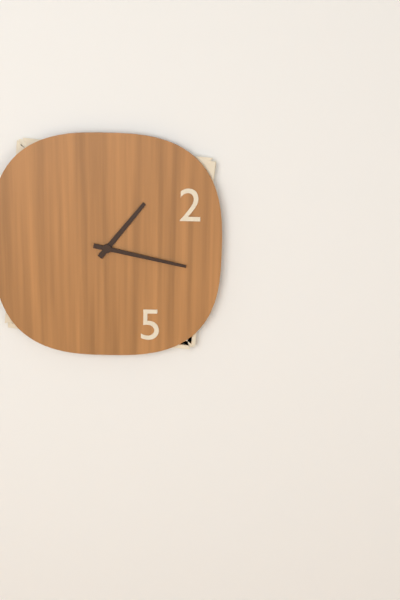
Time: {"hour": 1, "minute": 17}
